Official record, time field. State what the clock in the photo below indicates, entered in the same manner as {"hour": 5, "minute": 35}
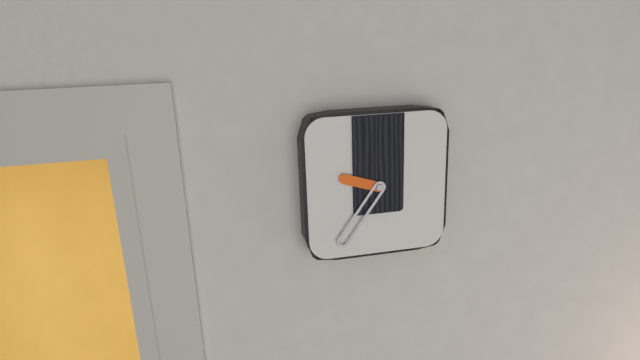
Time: {"hour": 9, "minute": 36}
